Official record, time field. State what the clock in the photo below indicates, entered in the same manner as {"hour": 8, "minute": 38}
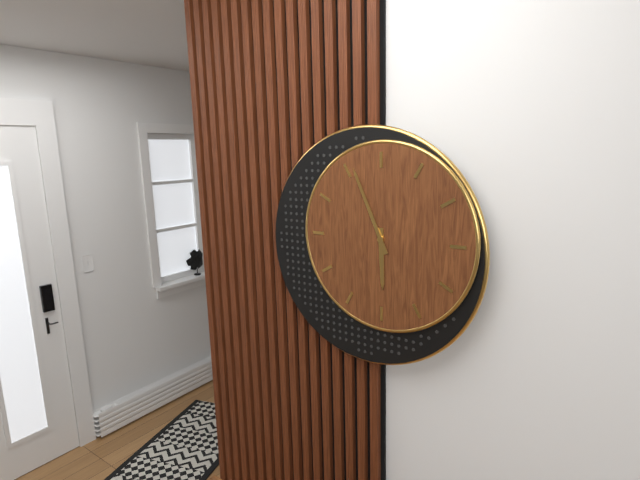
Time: {"hour": 5, "minute": 56}
